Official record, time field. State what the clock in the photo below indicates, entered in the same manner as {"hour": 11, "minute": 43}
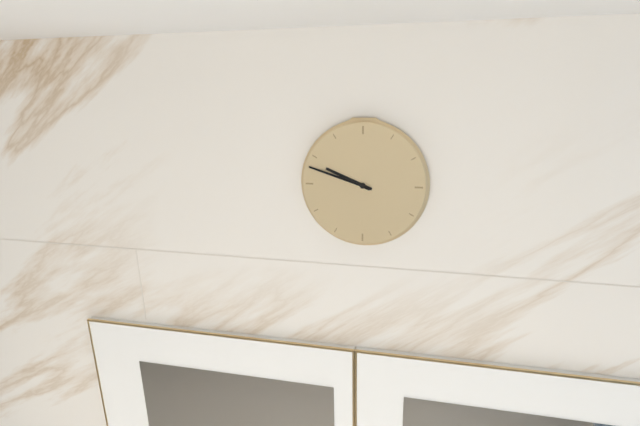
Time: {"hour": 9, "minute": 48}
